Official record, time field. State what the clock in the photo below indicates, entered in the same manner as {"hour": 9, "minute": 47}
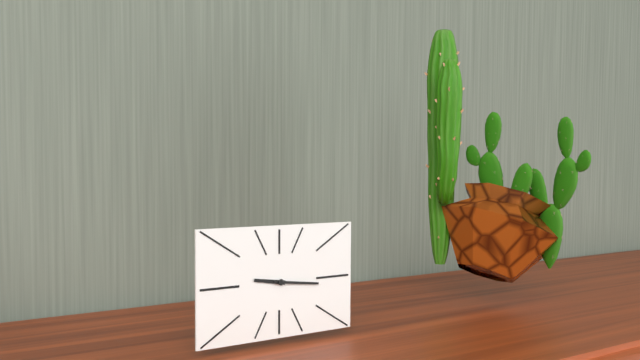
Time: {"hour": 9, "minute": 16}
